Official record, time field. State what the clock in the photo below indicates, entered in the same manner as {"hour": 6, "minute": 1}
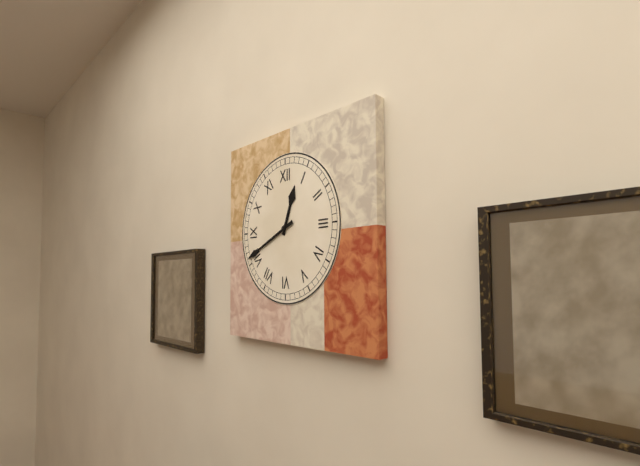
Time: {"hour": 12, "minute": 41}
